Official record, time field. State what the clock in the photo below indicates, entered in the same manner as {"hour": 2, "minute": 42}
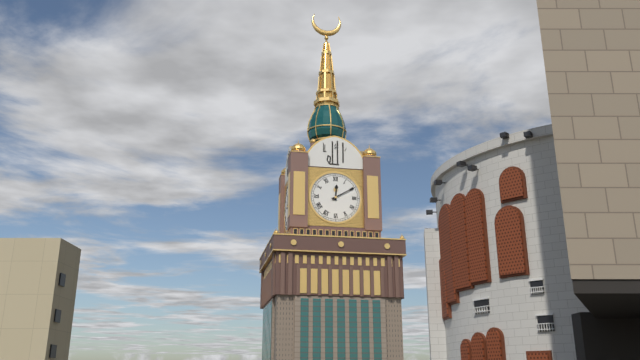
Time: {"hour": 12, "minute": 10}
